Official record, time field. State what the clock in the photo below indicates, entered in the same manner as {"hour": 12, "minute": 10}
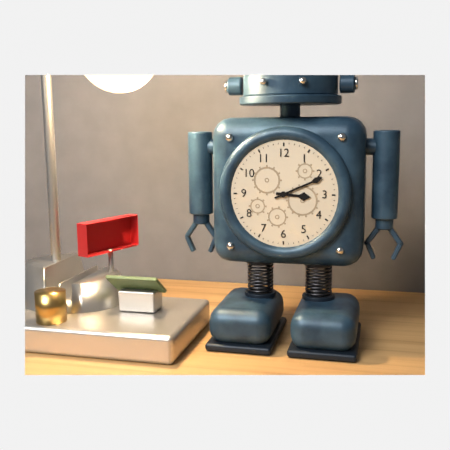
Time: {"hour": 3, "minute": 11}
